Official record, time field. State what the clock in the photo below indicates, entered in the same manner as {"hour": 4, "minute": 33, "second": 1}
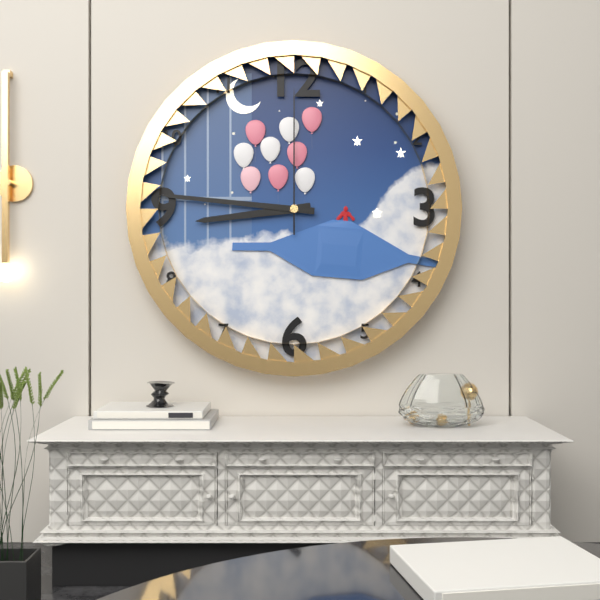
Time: {"hour": 8, "minute": 46, "second": 0}
